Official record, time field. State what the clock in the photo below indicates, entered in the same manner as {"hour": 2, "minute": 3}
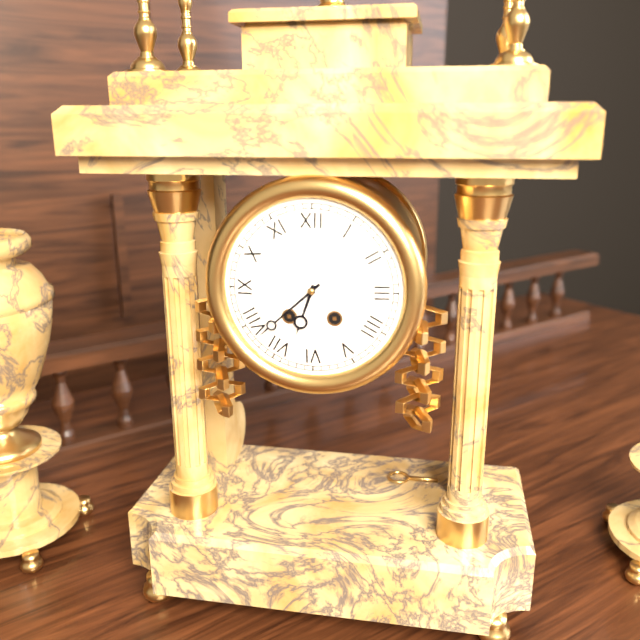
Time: {"hour": 6, "minute": 38}
